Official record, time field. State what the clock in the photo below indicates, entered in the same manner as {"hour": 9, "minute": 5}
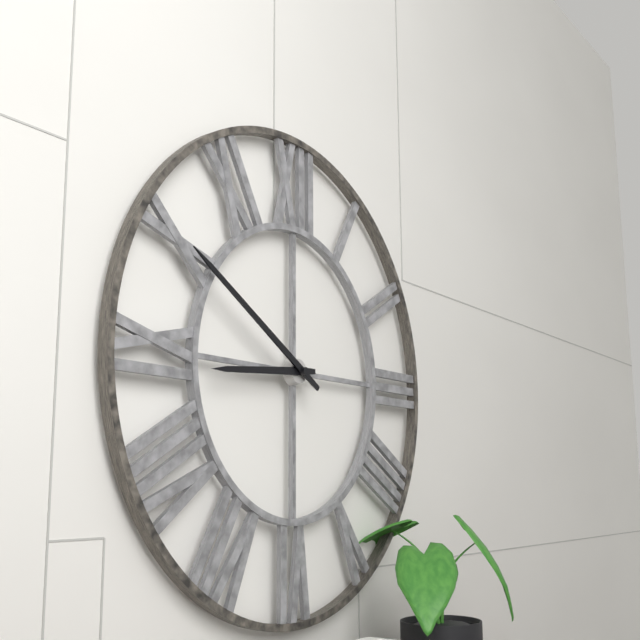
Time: {"hour": 8, "minute": 50}
